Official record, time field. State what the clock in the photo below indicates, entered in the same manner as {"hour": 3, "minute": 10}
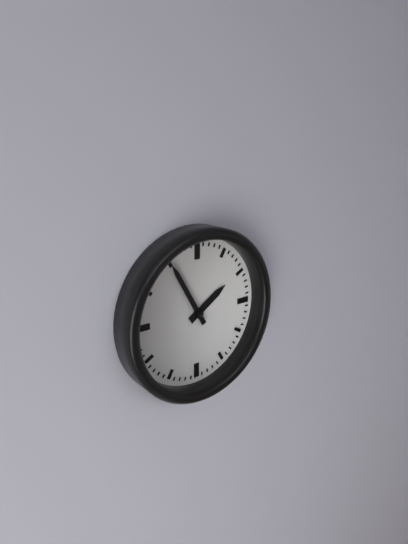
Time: {"hour": 1, "minute": 55}
